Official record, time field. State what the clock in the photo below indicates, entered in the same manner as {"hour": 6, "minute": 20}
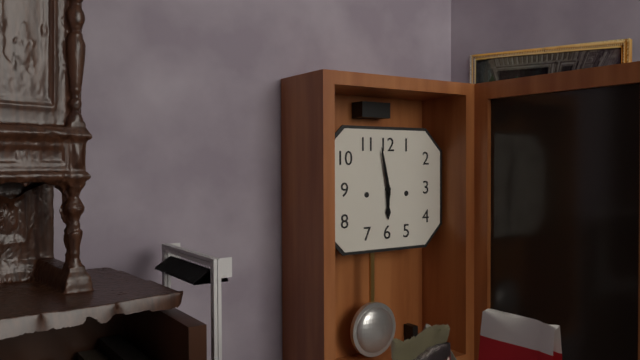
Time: {"hour": 5, "minute": 58}
